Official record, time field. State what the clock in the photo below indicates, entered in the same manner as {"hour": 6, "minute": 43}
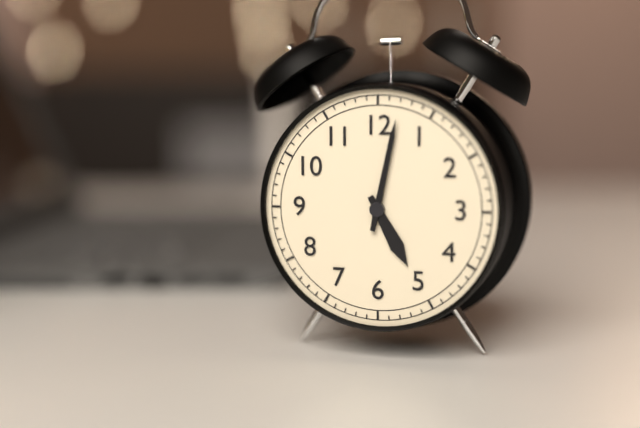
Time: {"hour": 5, "minute": 2}
